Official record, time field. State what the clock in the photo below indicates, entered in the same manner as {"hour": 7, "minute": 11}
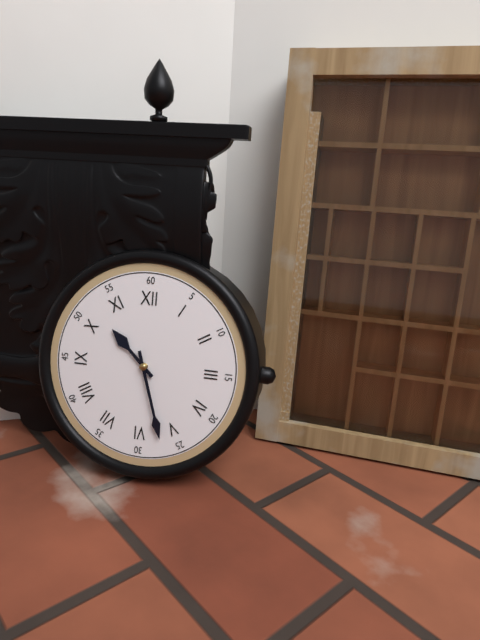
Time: {"hour": 10, "minute": 27}
